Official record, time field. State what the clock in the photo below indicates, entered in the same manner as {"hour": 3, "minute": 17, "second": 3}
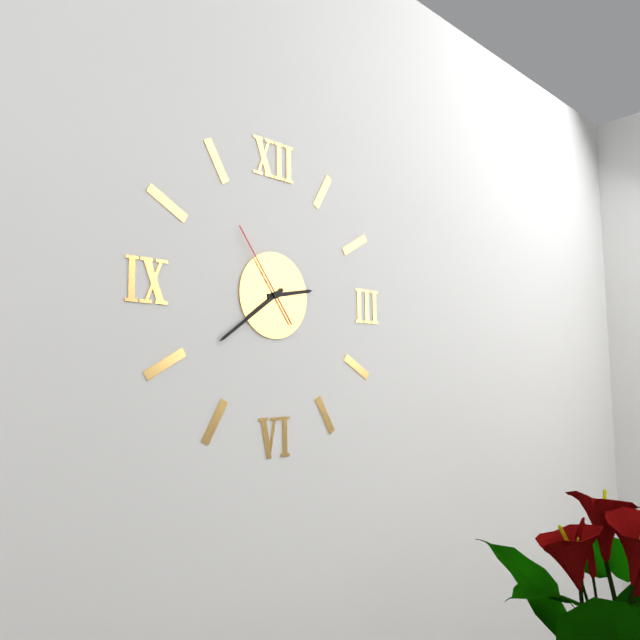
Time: {"hour": 2, "minute": 39, "second": 54}
